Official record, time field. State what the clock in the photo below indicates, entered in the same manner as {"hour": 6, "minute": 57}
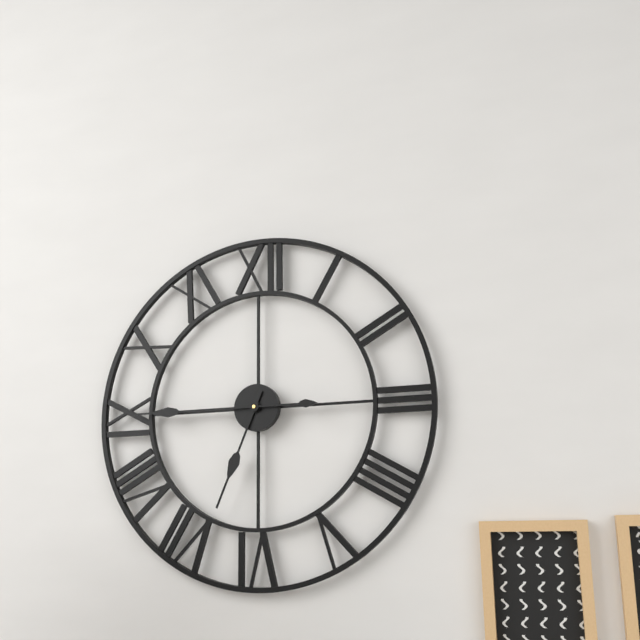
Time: {"hour": 6, "minute": 45}
